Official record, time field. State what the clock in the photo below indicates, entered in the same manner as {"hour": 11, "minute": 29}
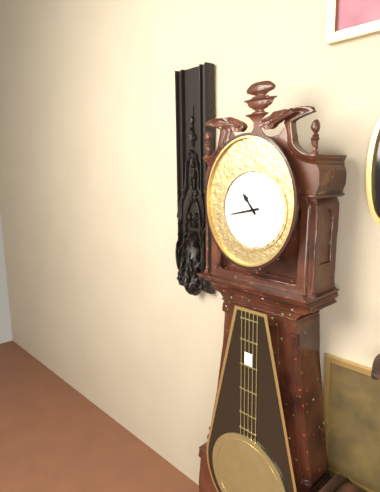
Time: {"hour": 10, "minute": 43}
